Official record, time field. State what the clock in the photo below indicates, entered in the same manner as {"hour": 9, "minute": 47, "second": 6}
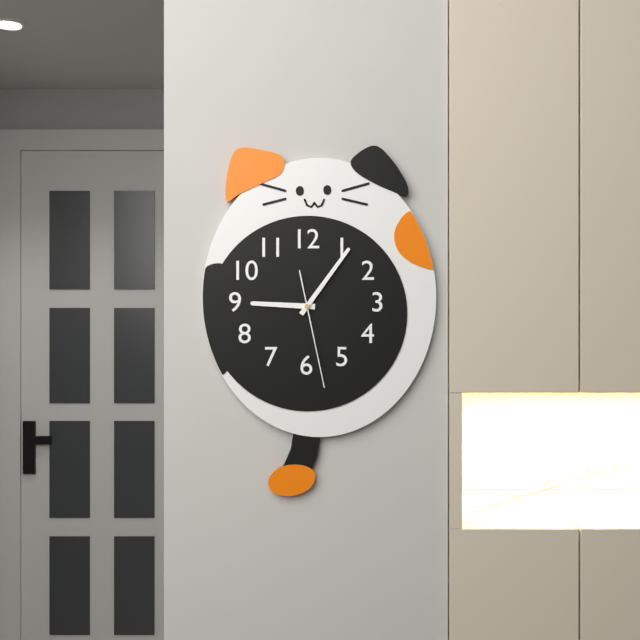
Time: {"hour": 9, "minute": 6, "second": 28}
